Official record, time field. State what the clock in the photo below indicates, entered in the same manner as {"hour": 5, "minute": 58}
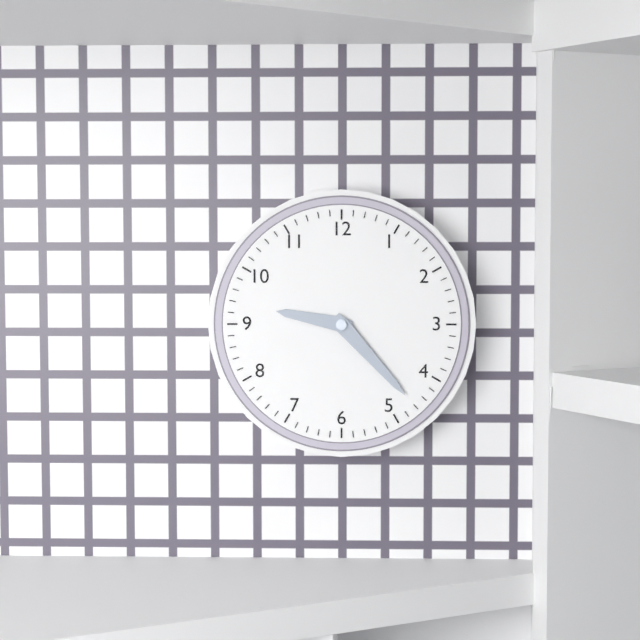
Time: {"hour": 9, "minute": 23}
